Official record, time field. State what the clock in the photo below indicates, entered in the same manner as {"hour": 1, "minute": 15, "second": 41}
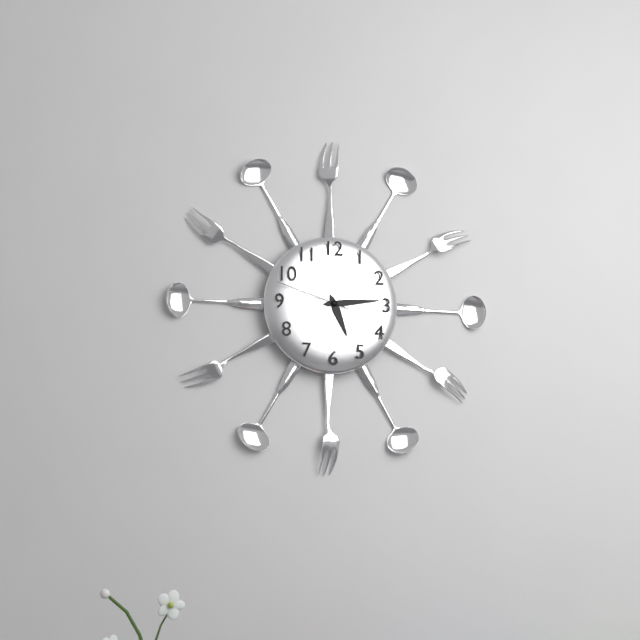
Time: {"hour": 5, "minute": 14, "second": 48}
